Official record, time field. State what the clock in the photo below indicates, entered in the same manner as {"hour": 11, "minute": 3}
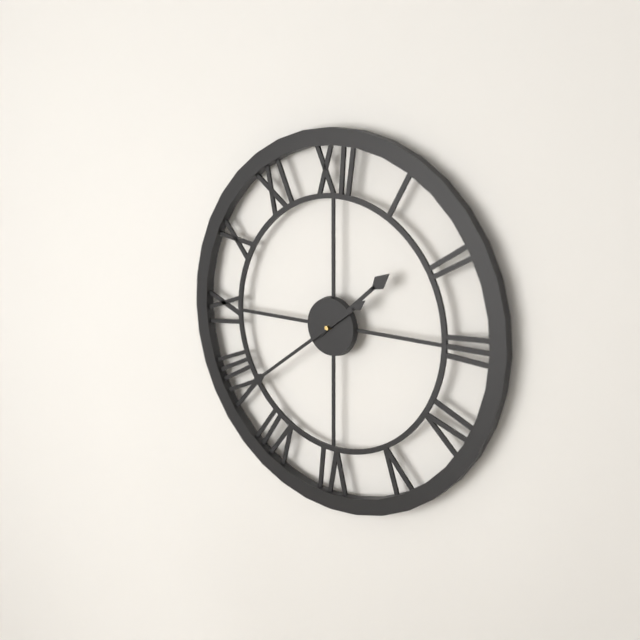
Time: {"hour": 1, "minute": 39}
